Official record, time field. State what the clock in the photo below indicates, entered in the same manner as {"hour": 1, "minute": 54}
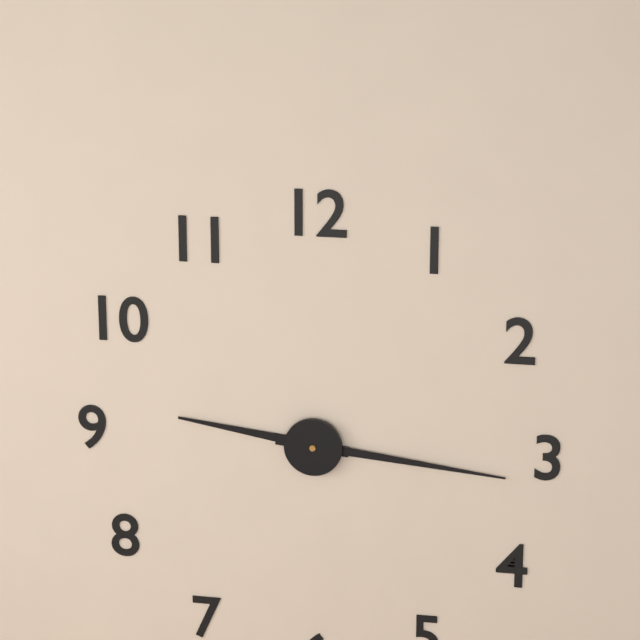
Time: {"hour": 9, "minute": 16}
